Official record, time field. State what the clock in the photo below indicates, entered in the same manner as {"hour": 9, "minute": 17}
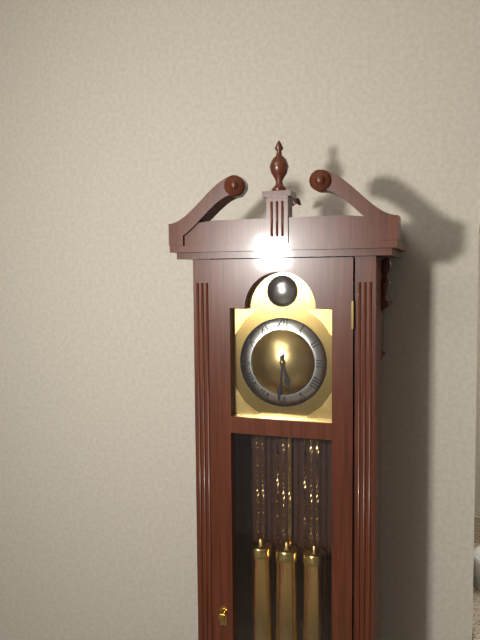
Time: {"hour": 5, "minute": 31}
